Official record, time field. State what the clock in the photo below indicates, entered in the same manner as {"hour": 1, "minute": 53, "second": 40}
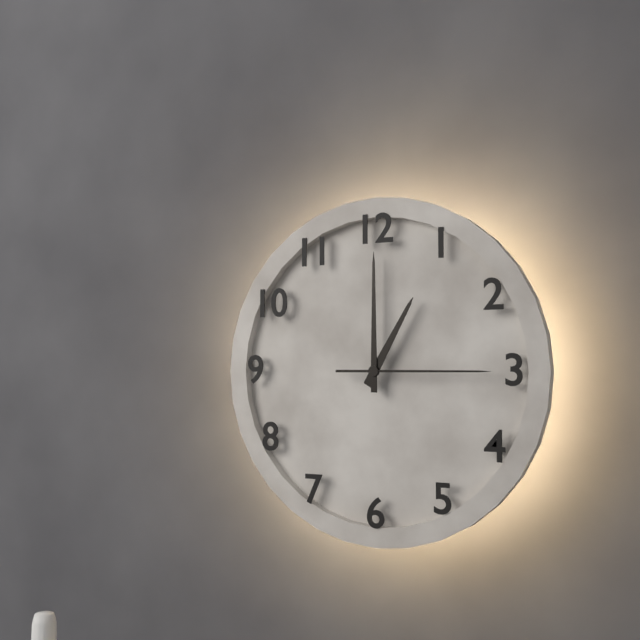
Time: {"hour": 1, "minute": 0, "second": 15}
